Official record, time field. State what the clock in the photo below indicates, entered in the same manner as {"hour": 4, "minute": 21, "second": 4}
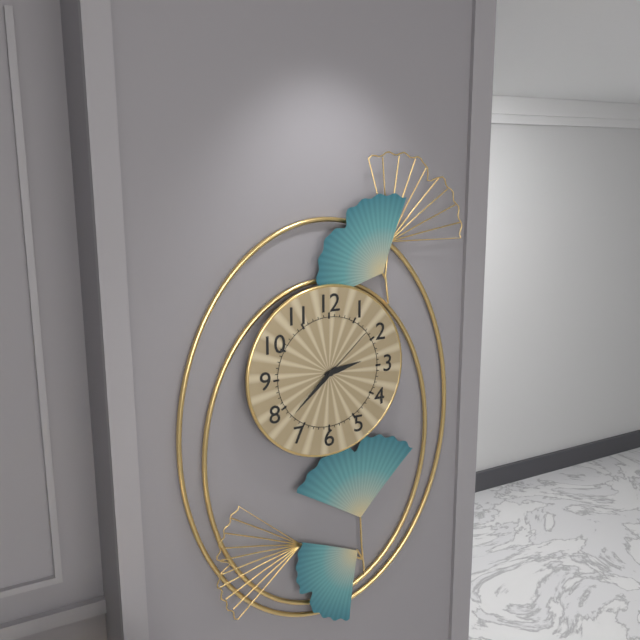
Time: {"hour": 2, "minute": 38, "second": 8}
